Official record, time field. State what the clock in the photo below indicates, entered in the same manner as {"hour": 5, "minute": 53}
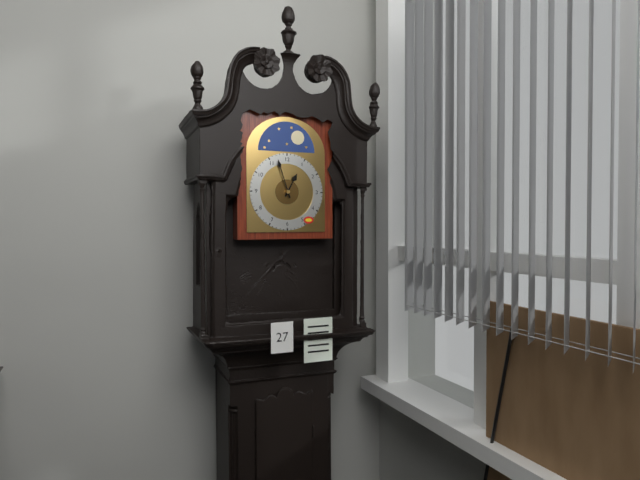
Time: {"hour": 12, "minute": 57}
